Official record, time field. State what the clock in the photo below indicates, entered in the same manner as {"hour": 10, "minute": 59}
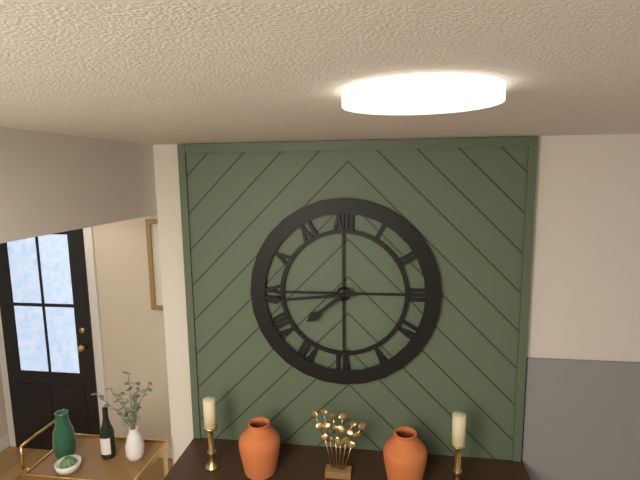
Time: {"hour": 7, "minute": 44}
